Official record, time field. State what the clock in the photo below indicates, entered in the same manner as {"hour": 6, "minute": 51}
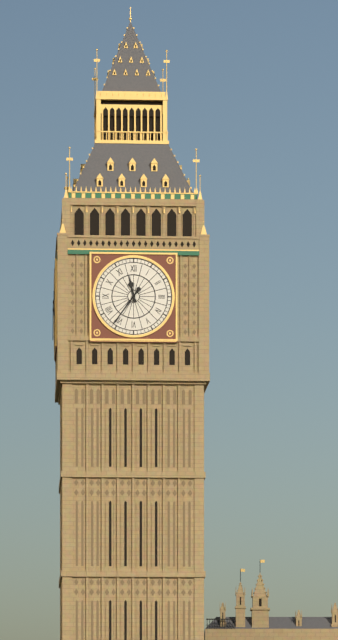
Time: {"hour": 11, "minute": 36}
